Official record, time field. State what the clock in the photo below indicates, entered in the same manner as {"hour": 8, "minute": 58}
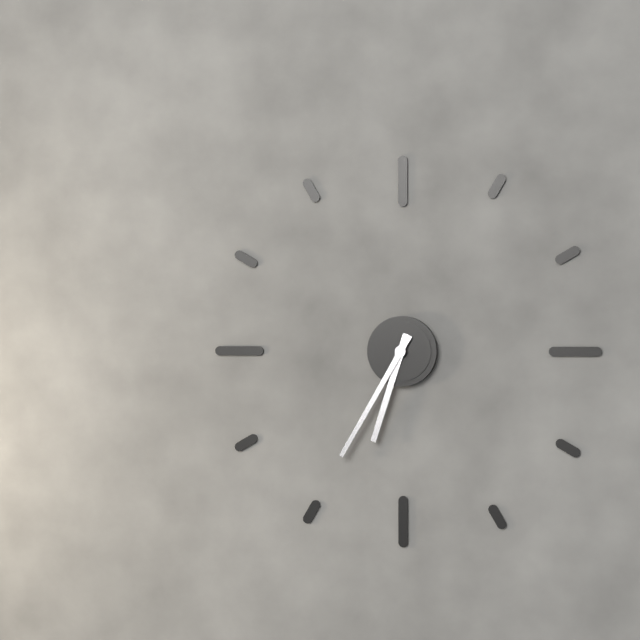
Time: {"hour": 6, "minute": 35}
